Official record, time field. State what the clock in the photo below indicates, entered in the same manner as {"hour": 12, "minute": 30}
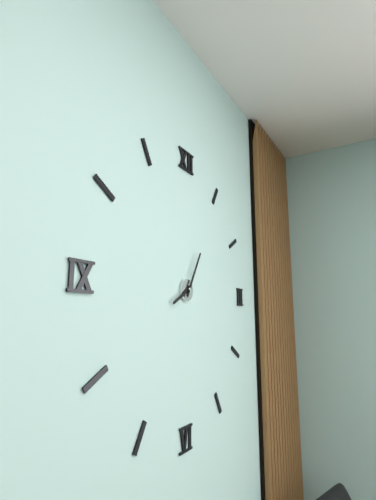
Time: {"hour": 8, "minute": 5}
